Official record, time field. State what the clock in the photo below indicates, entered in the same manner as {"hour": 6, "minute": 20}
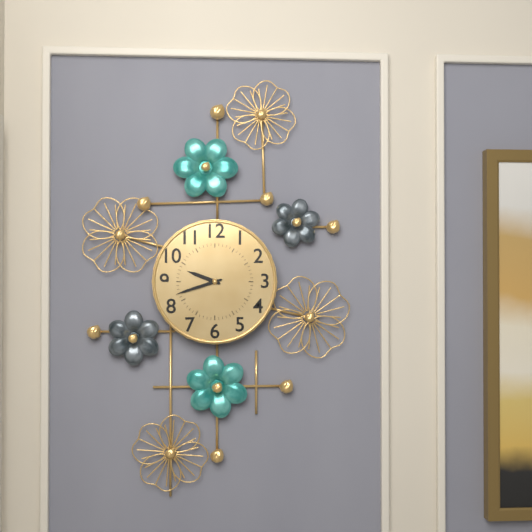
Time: {"hour": 9, "minute": 42}
